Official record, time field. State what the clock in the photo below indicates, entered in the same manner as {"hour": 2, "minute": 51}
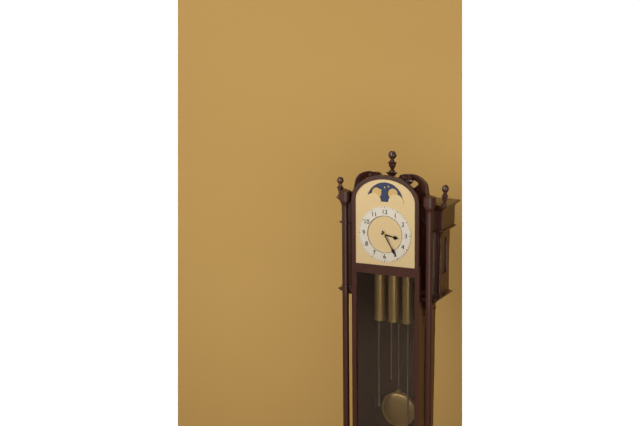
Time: {"hour": 3, "minute": 25}
